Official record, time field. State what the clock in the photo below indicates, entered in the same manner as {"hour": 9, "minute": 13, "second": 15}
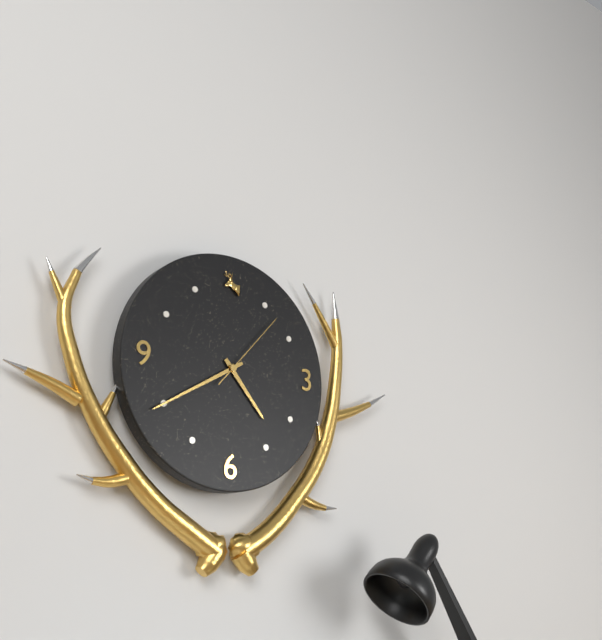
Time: {"hour": 4, "minute": 40, "second": 7}
